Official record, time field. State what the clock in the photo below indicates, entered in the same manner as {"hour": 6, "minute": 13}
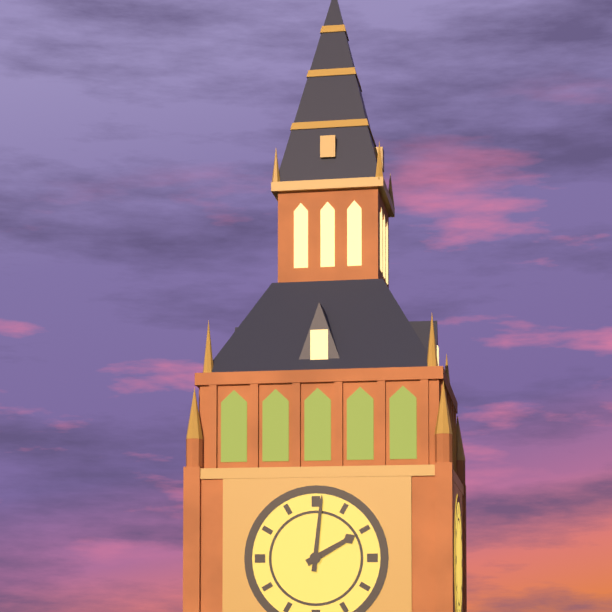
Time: {"hour": 2, "minute": 1}
